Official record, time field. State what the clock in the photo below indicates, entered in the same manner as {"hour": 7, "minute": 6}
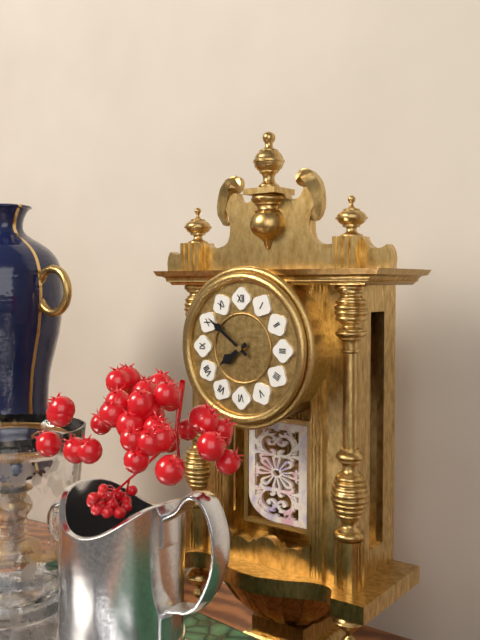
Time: {"hour": 7, "minute": 51}
